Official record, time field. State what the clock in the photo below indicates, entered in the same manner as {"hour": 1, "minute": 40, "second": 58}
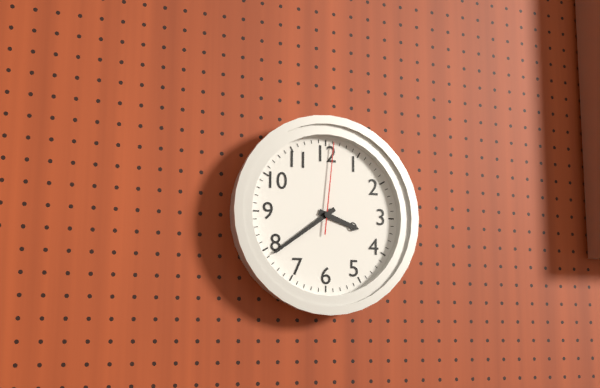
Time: {"hour": 3, "minute": 39, "second": 1}
